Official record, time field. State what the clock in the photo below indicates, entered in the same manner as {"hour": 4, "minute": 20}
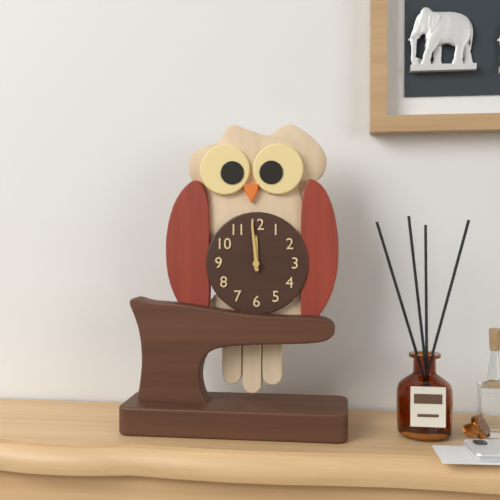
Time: {"hour": 11, "minute": 59}
